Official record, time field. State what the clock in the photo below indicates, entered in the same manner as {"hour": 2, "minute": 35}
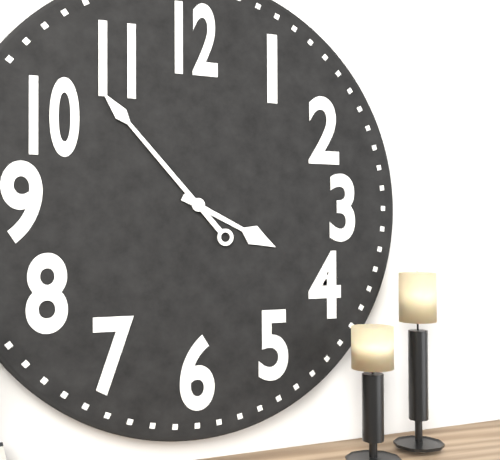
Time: {"hour": 3, "minute": 53}
